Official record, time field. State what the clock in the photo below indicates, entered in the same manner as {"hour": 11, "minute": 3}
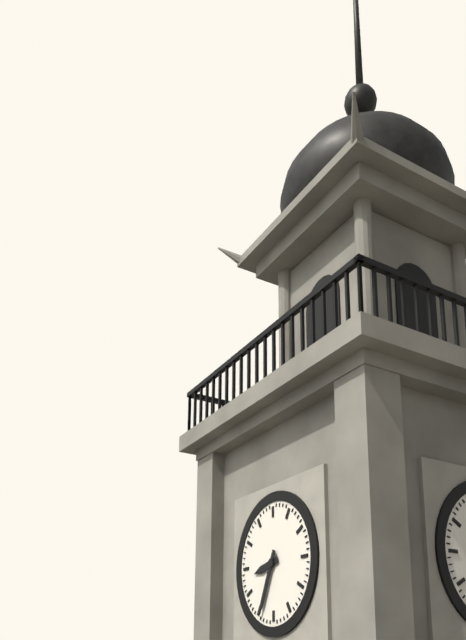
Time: {"hour": 8, "minute": 34}
